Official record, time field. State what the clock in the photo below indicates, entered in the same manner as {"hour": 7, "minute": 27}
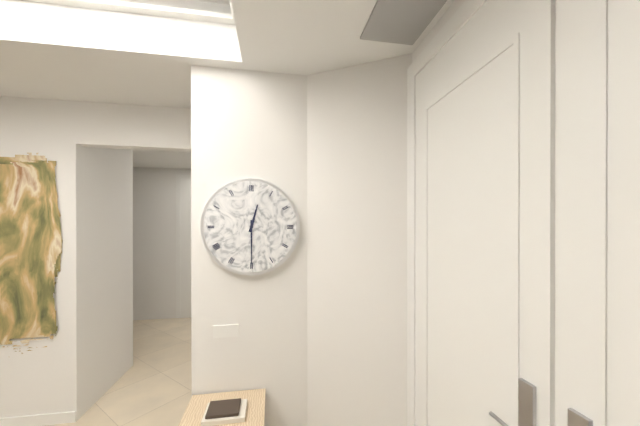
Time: {"hour": 12, "minute": 30}
